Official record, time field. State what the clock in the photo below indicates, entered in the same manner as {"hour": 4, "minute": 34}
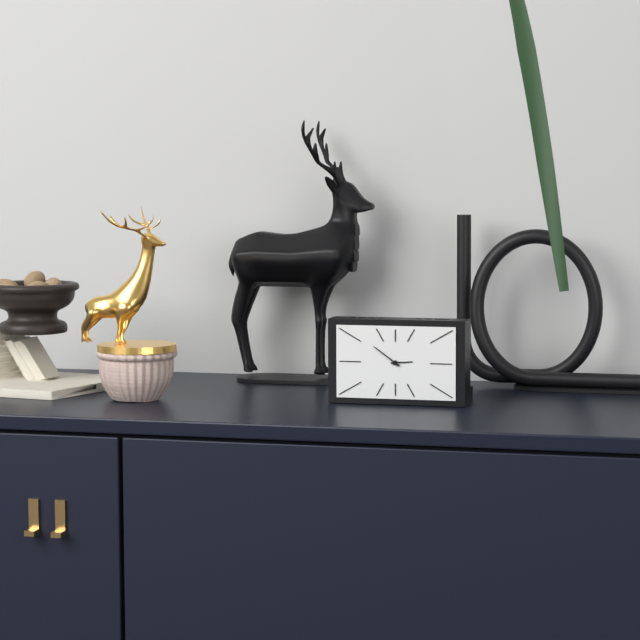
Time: {"hour": 2, "minute": 51}
